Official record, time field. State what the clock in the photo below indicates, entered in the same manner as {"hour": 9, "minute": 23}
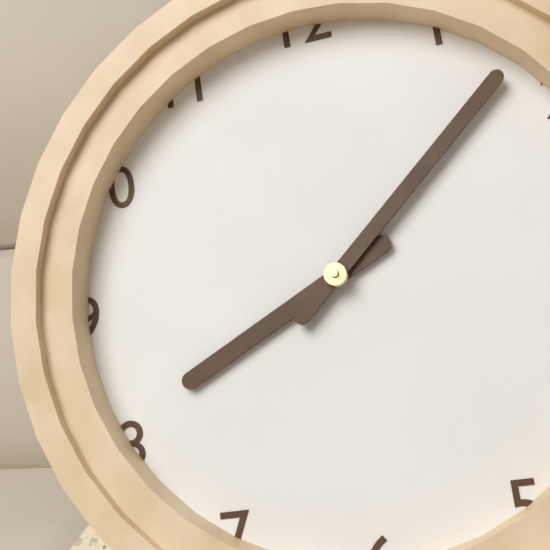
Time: {"hour": 8, "minute": 8}
